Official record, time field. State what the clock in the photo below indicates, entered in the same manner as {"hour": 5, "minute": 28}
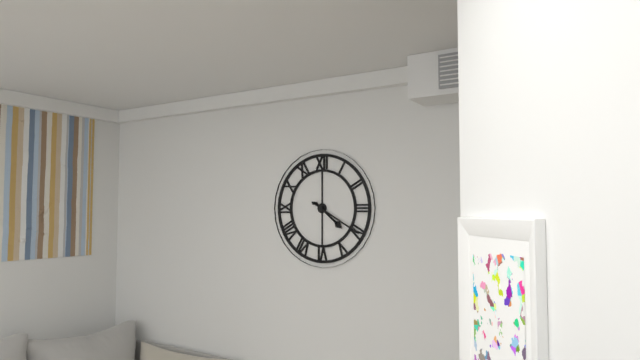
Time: {"hour": 4, "minute": 20}
